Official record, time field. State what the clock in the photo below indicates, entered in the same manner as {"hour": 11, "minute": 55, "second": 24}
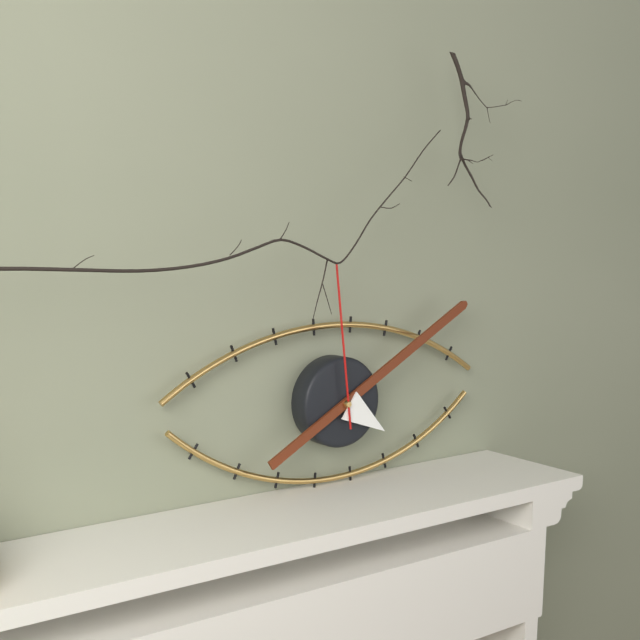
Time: {"hour": 4, "minute": 10, "second": 59}
